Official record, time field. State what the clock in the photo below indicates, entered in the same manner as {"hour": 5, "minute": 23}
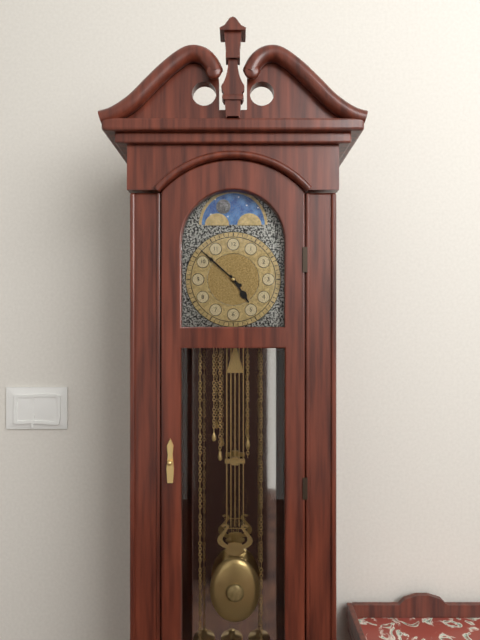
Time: {"hour": 4, "minute": 52}
